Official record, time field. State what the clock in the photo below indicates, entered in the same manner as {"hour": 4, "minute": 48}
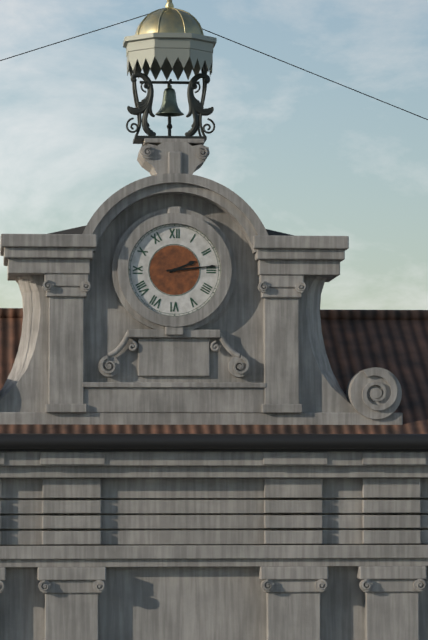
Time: {"hour": 2, "minute": 14}
